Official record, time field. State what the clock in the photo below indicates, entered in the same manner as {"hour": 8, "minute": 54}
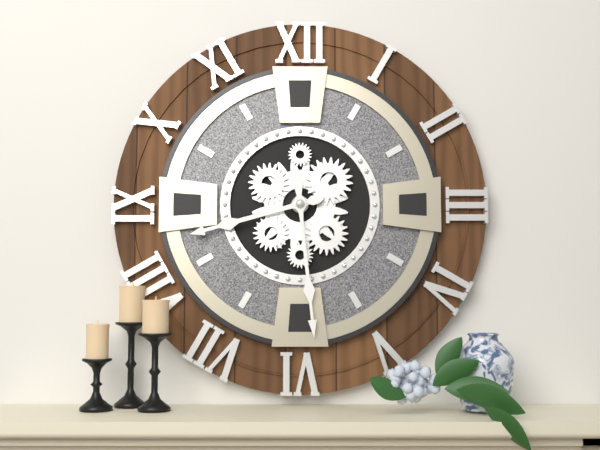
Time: {"hour": 8, "minute": 29}
